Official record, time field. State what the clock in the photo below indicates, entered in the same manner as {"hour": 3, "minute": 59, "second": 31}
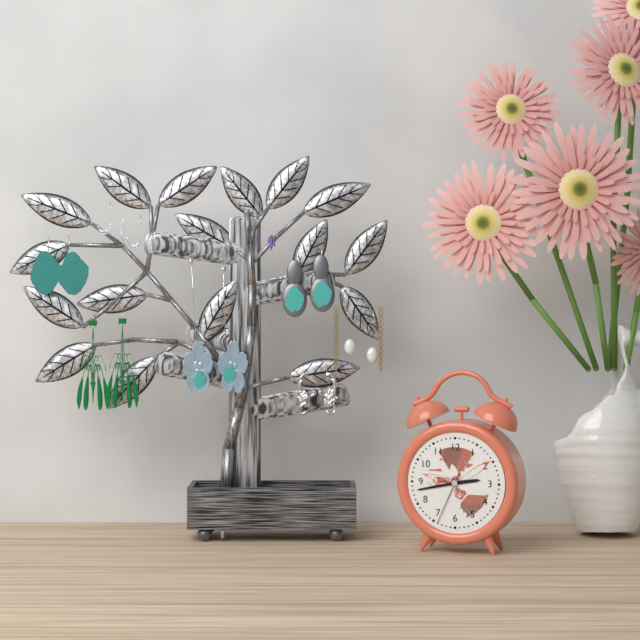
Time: {"hour": 2, "minute": 43, "second": 34}
